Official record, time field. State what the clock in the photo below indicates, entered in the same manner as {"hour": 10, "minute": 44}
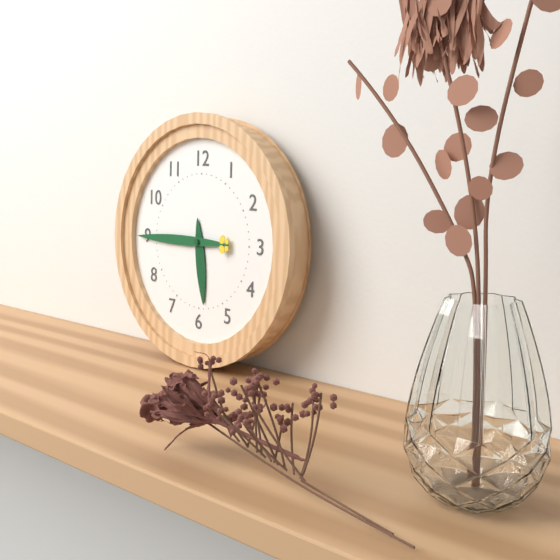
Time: {"hour": 5, "minute": 45}
